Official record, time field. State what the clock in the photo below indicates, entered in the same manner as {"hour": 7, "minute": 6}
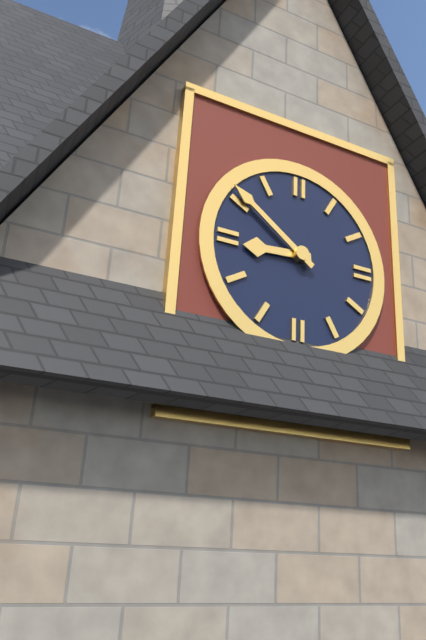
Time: {"hour": 8, "minute": 51}
